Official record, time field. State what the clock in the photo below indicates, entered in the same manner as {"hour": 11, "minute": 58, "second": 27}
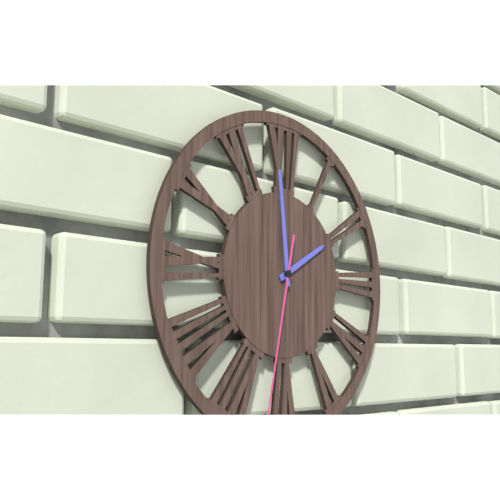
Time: {"hour": 1, "minute": 59, "second": 32}
